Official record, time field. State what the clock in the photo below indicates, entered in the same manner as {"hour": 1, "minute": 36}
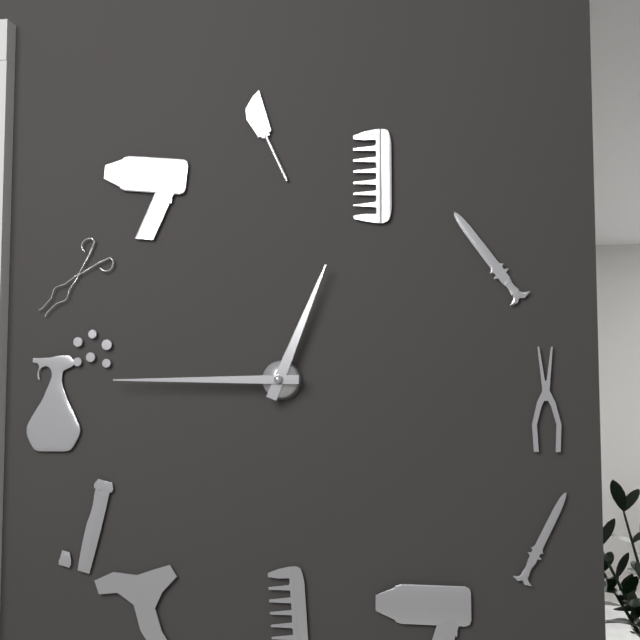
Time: {"hour": 12, "minute": 45}
